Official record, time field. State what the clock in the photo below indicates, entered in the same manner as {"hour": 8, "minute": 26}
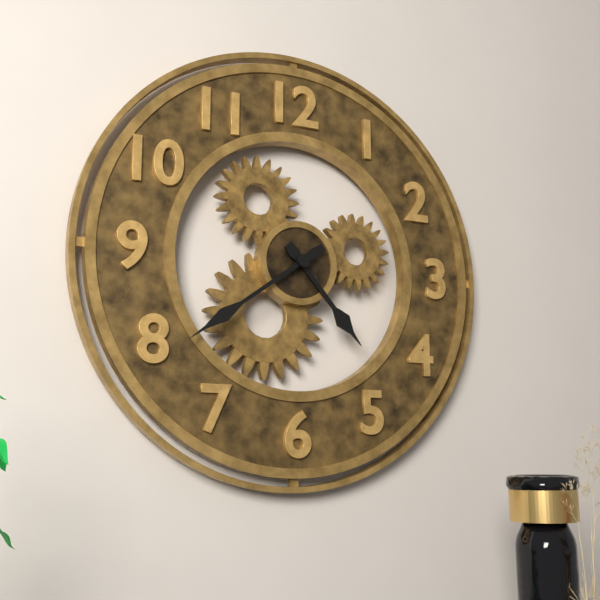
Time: {"hour": 4, "minute": 39}
